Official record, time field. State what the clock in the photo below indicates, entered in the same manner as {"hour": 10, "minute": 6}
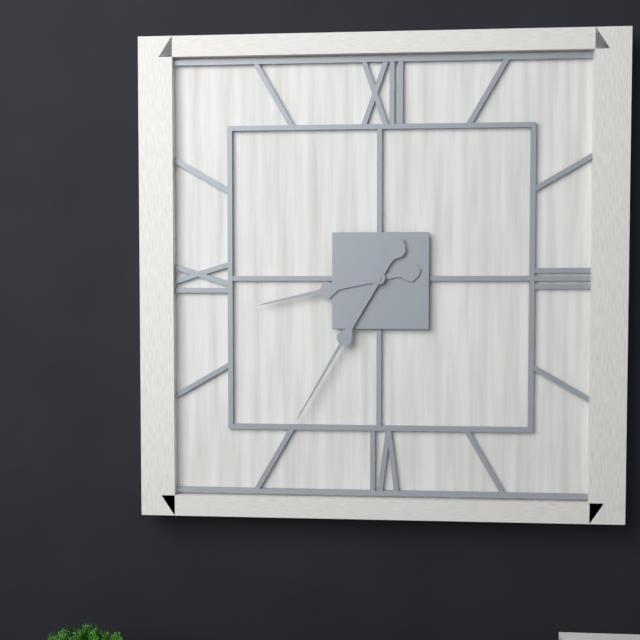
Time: {"hour": 8, "minute": 35}
